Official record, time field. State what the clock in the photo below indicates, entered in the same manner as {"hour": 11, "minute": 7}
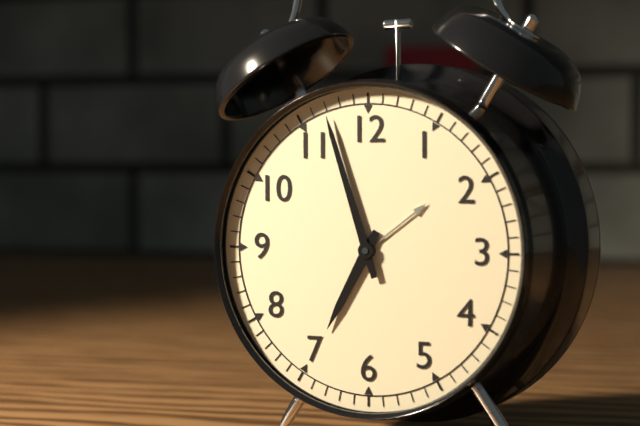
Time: {"hour": 6, "minute": 57}
